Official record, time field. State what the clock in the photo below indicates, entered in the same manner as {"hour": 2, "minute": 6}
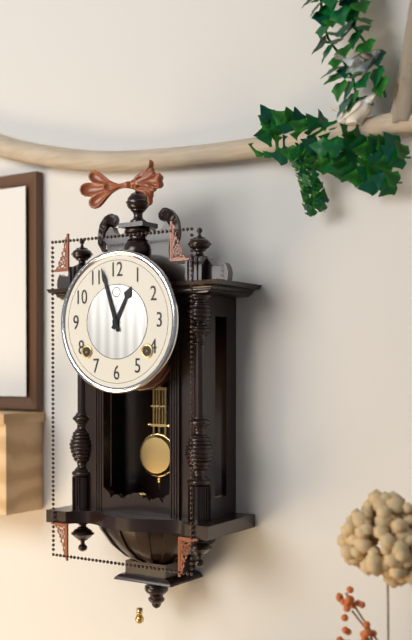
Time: {"hour": 12, "minute": 57}
